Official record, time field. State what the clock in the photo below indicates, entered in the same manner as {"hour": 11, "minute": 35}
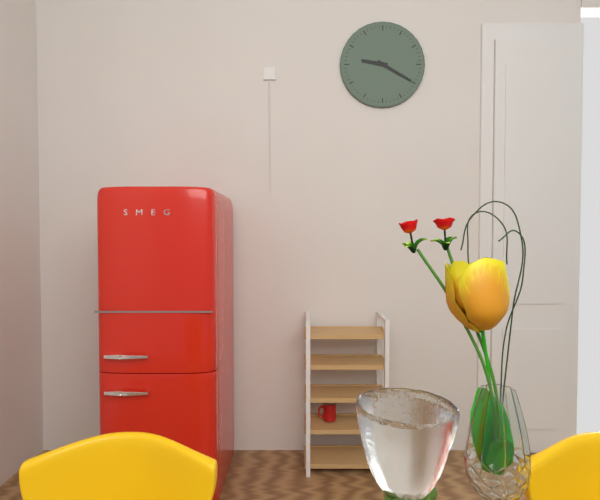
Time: {"hour": 9, "minute": 20}
